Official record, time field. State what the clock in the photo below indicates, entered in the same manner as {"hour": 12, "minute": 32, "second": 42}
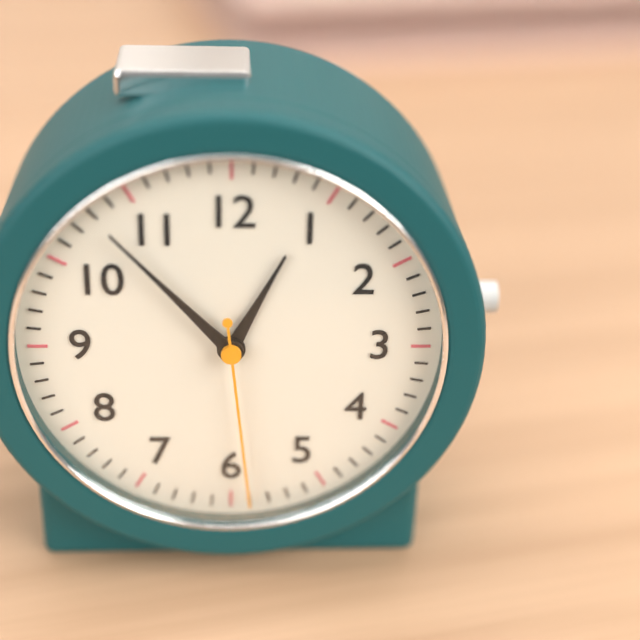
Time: {"hour": 12, "minute": 53, "second": 29}
